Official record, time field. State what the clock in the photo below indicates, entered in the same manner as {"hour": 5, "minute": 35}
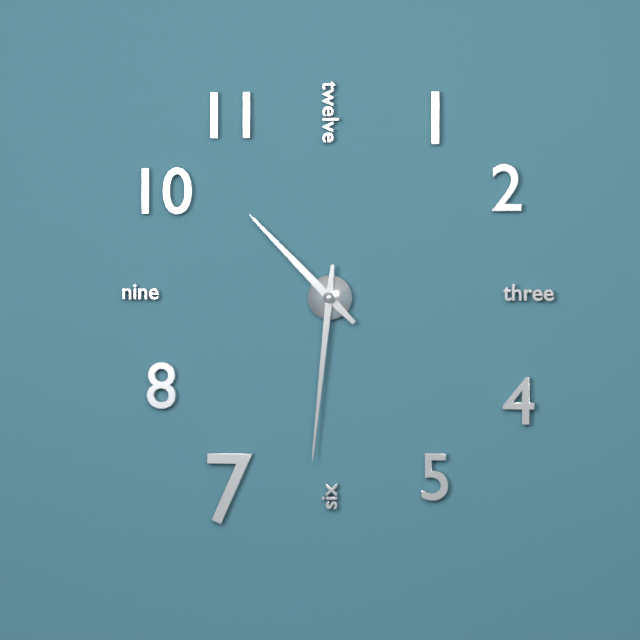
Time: {"hour": 10, "minute": 31}
